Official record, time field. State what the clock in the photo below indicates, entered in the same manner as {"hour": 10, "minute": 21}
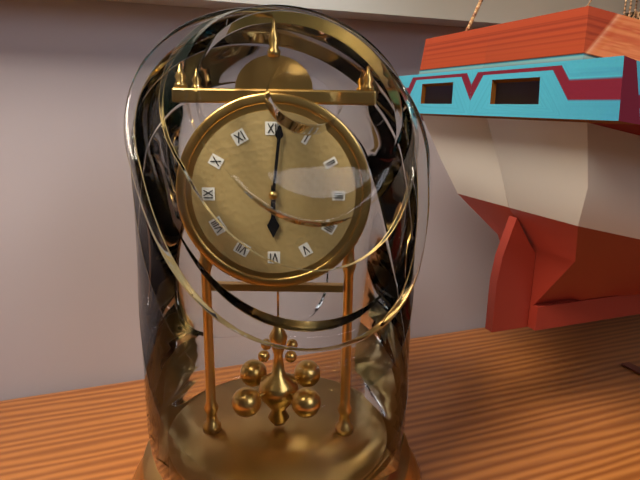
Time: {"hour": 6, "minute": 1}
